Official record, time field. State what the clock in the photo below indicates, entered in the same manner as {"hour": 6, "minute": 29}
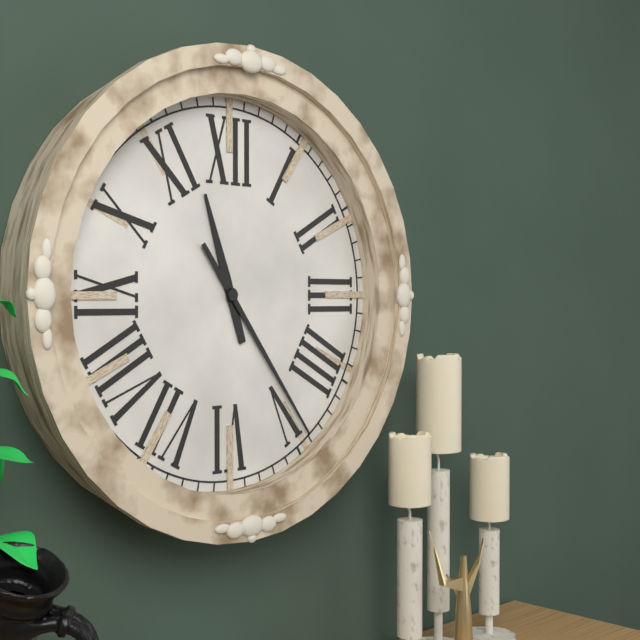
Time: {"hour": 11, "minute": 24}
